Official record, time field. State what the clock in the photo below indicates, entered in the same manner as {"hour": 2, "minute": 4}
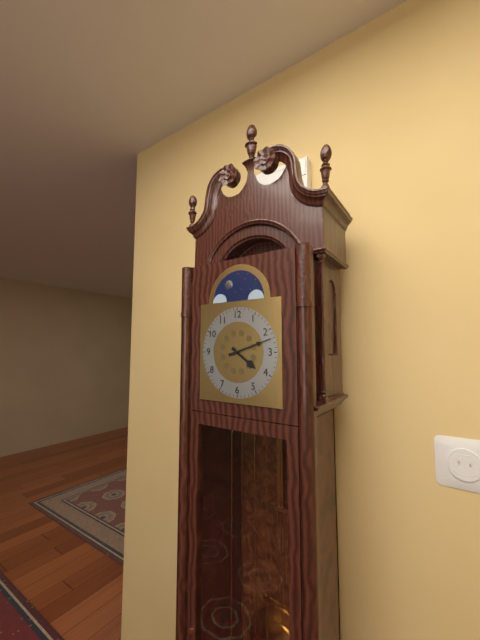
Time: {"hour": 4, "minute": 12}
